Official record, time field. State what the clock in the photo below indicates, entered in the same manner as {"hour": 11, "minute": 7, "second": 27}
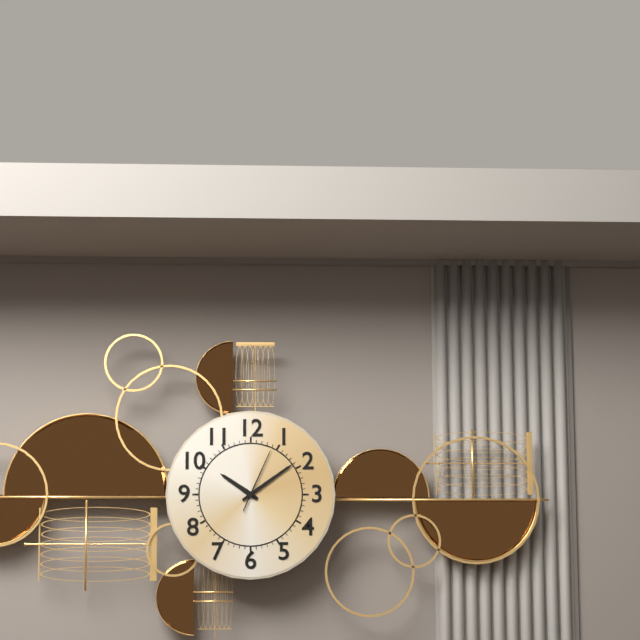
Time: {"hour": 10, "minute": 9, "second": 4}
